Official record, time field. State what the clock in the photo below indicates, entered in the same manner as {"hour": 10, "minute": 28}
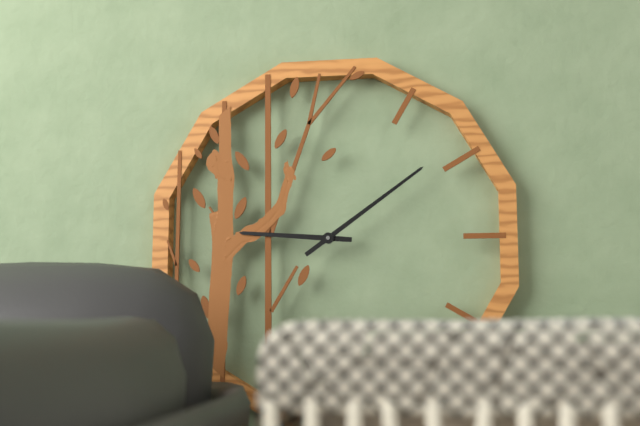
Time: {"hour": 9, "minute": 9}
